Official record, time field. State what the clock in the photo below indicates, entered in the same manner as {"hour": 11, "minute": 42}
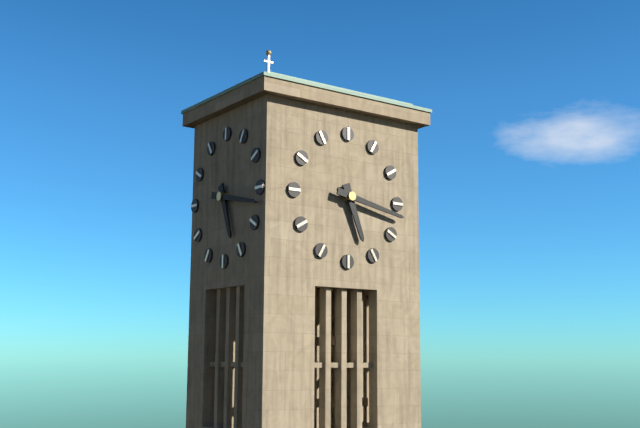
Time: {"hour": 5, "minute": 17}
